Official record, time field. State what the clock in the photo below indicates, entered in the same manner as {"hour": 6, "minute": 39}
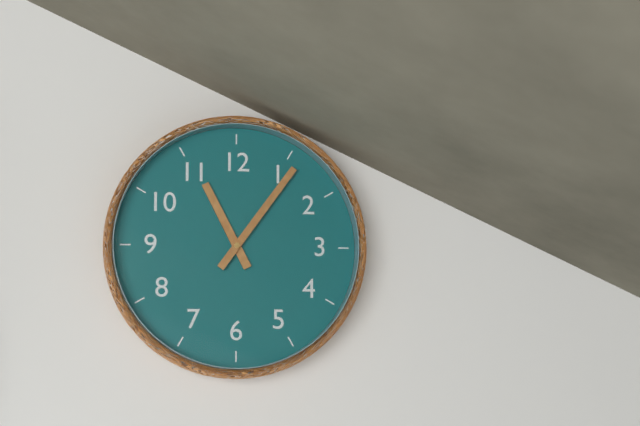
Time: {"hour": 11, "minute": 6}
